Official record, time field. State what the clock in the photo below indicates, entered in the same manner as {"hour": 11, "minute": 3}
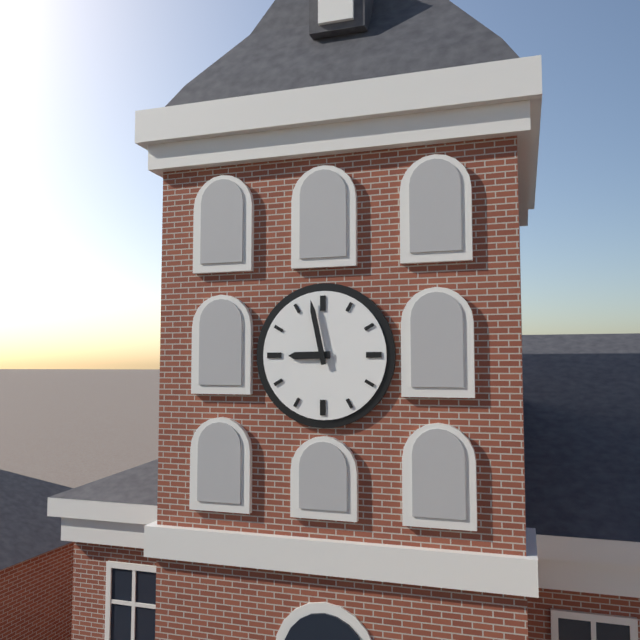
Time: {"hour": 8, "minute": 58}
